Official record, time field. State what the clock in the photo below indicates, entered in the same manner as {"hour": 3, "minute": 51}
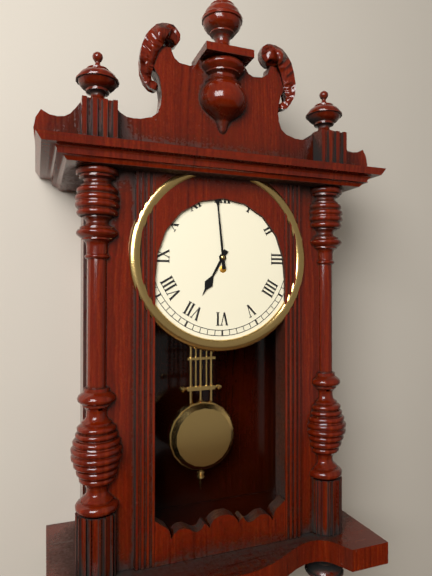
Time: {"hour": 6, "minute": 59}
